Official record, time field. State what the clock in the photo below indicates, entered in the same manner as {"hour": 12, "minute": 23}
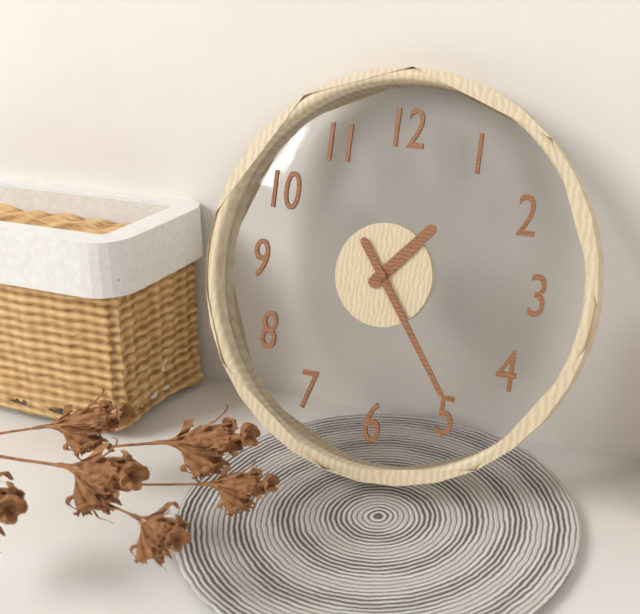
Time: {"hour": 1, "minute": 24}
